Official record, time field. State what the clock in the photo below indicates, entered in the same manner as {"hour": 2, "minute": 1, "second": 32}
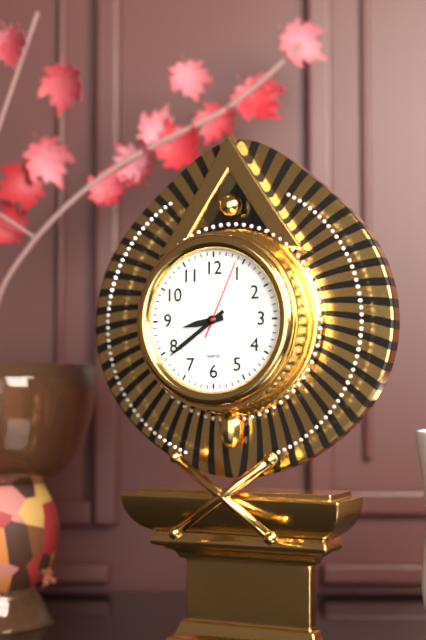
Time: {"hour": 8, "minute": 39, "second": 4}
